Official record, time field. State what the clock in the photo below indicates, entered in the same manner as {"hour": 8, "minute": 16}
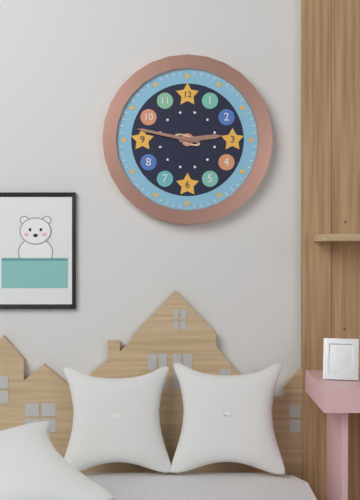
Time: {"hour": 2, "minute": 47}
